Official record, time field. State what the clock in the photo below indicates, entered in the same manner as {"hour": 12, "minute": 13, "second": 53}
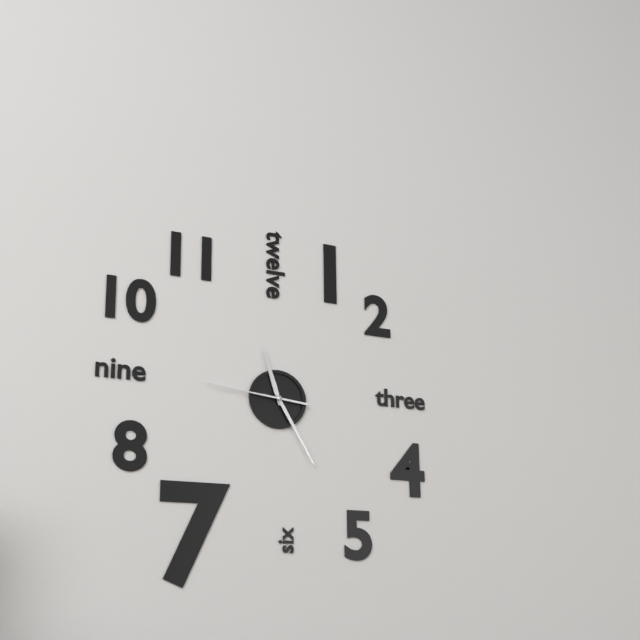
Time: {"hour": 11, "minute": 25, "second": 46}
